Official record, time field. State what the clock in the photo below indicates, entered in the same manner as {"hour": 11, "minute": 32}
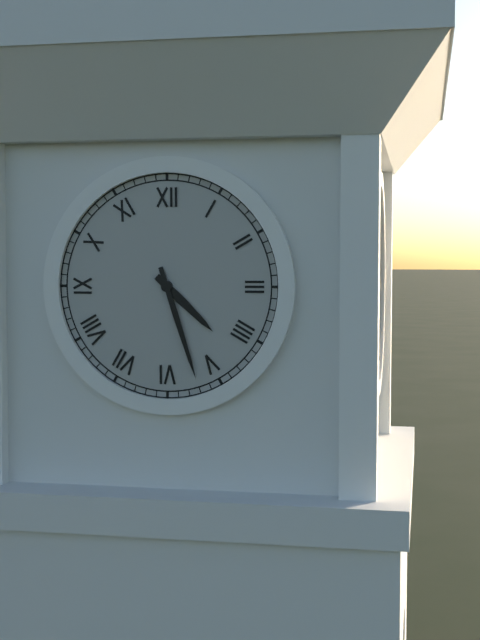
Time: {"hour": 4, "minute": 27}
